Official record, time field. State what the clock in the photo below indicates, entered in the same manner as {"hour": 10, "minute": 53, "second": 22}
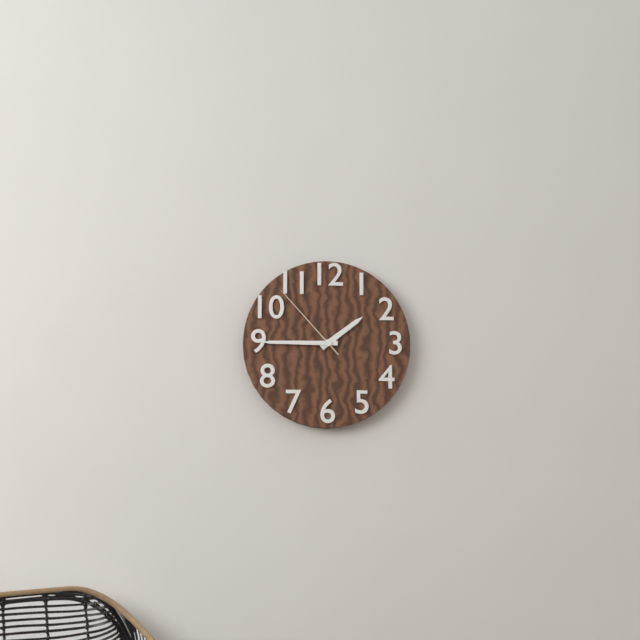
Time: {"hour": 1, "minute": 45, "second": 53}
